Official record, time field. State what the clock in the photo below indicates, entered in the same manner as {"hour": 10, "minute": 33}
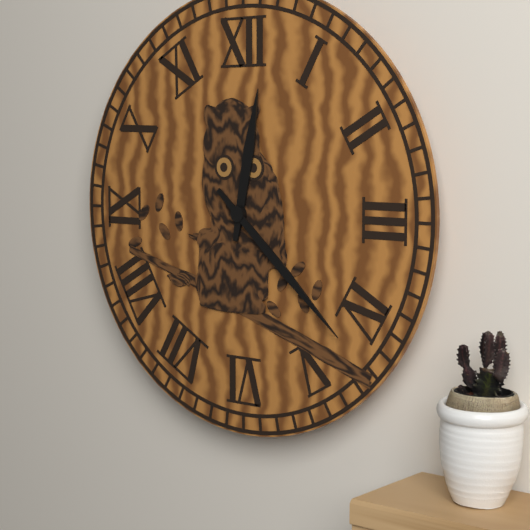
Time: {"hour": 12, "minute": 22}
